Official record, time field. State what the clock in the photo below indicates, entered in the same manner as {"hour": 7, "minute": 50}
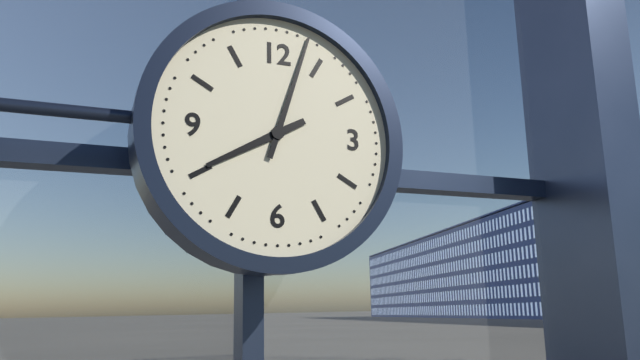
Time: {"hour": 8, "minute": 3}
